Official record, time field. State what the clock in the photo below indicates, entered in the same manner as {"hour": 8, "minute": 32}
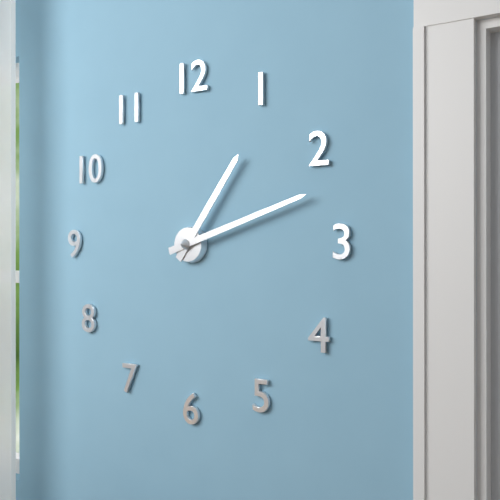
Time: {"hour": 1, "minute": 12}
